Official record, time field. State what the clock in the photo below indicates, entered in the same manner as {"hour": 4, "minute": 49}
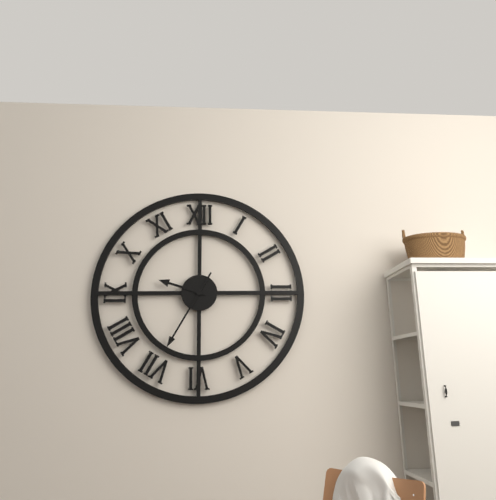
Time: {"hour": 9, "minute": 35}
